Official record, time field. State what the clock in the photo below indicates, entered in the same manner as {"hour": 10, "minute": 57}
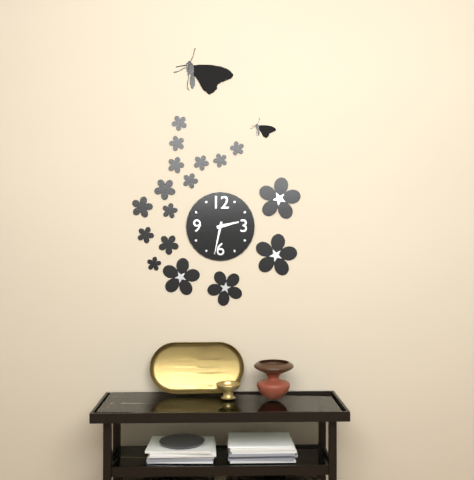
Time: {"hour": 2, "minute": 32}
